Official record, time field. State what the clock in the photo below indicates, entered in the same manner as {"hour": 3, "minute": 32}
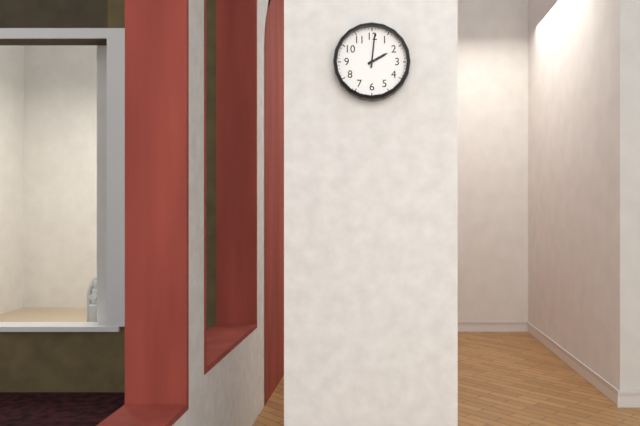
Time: {"hour": 2, "minute": 1}
